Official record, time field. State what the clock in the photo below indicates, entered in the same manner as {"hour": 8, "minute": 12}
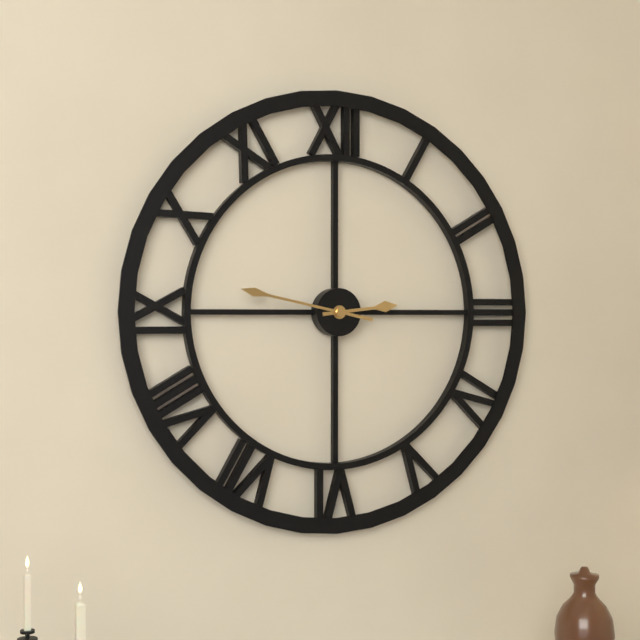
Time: {"hour": 2, "minute": 47}
